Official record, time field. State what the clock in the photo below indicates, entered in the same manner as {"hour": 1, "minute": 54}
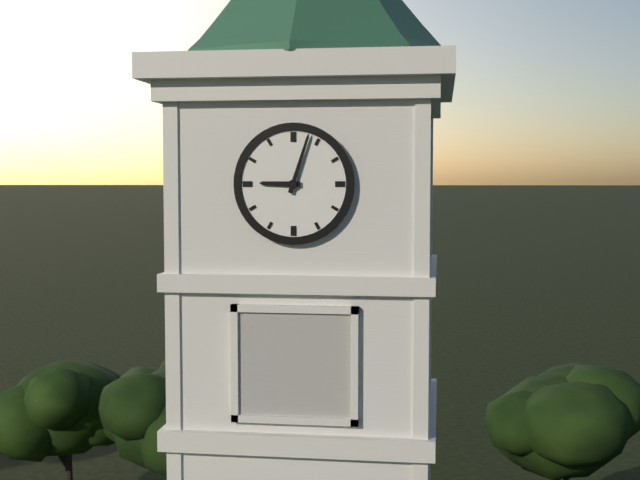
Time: {"hour": 9, "minute": 3}
